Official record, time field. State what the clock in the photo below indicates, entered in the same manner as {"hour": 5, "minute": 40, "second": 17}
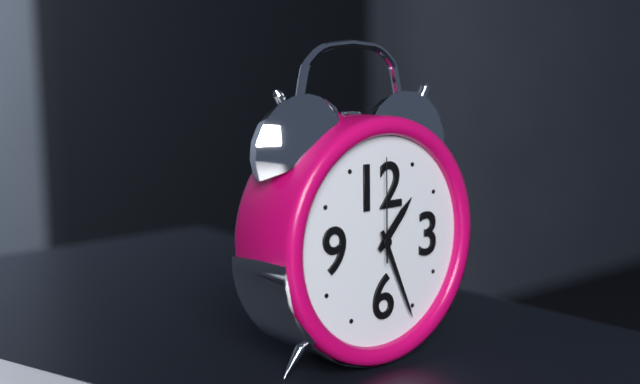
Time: {"hour": 1, "minute": 26, "second": 0}
